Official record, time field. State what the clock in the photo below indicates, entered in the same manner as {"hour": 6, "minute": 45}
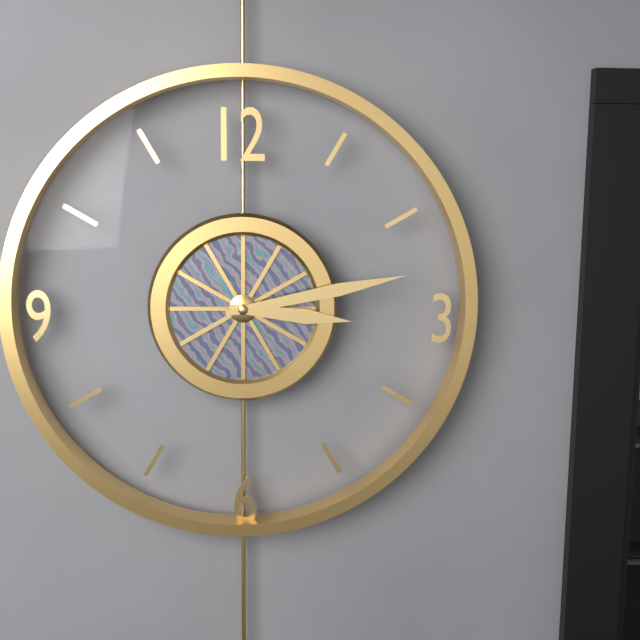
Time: {"hour": 3, "minute": 13}
